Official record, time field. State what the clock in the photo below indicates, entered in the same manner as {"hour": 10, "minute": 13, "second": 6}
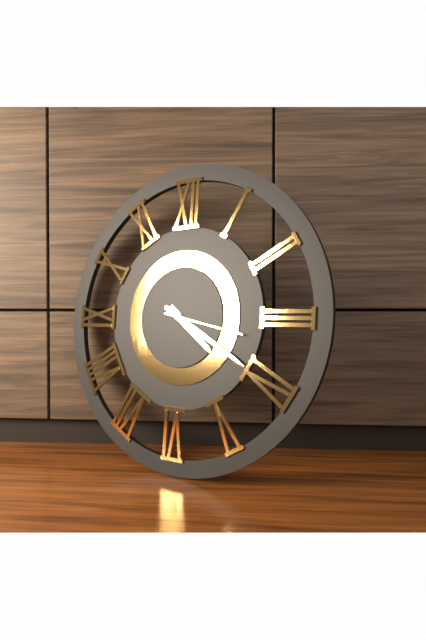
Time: {"hour": 4, "minute": 20, "second": 17}
